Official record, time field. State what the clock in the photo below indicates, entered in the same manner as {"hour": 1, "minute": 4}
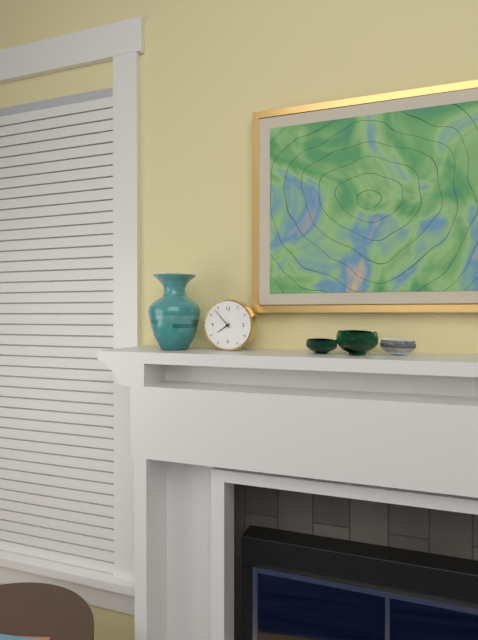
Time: {"hour": 7, "minute": 53}
